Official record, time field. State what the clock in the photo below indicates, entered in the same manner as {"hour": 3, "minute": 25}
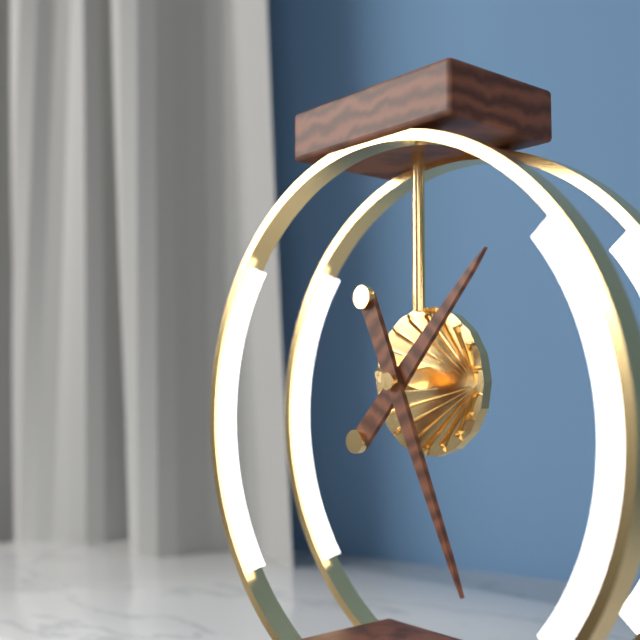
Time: {"hour": 1, "minute": 26}
